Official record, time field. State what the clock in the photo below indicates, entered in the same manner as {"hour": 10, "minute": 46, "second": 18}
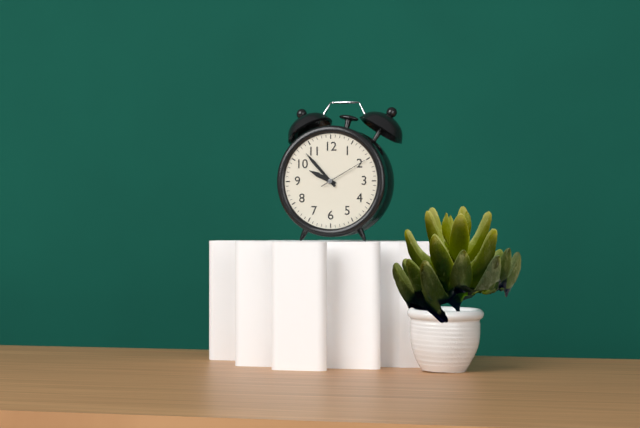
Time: {"hour": 9, "minute": 53, "second": 10}
